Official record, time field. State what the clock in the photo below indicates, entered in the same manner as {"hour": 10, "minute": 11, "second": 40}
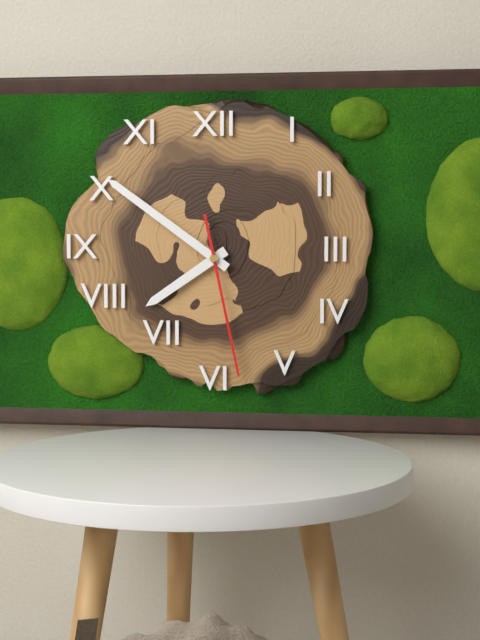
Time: {"hour": 7, "minute": 51, "second": 28}
